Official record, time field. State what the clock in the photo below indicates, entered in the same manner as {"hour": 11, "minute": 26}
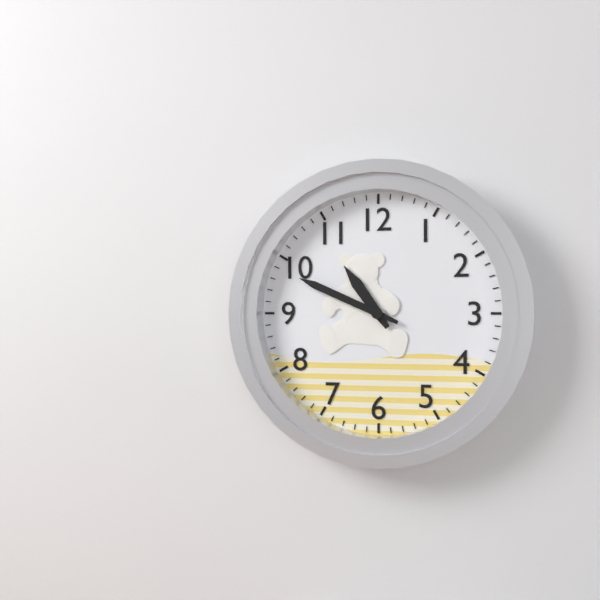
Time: {"hour": 10, "minute": 49}
